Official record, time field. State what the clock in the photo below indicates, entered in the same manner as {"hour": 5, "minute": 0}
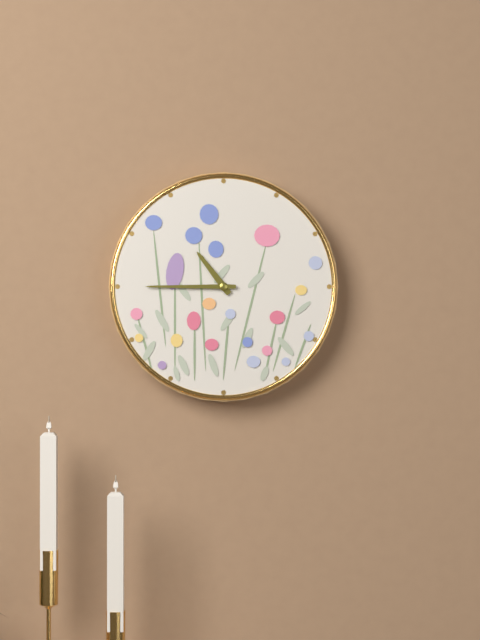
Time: {"hour": 10, "minute": 45}
